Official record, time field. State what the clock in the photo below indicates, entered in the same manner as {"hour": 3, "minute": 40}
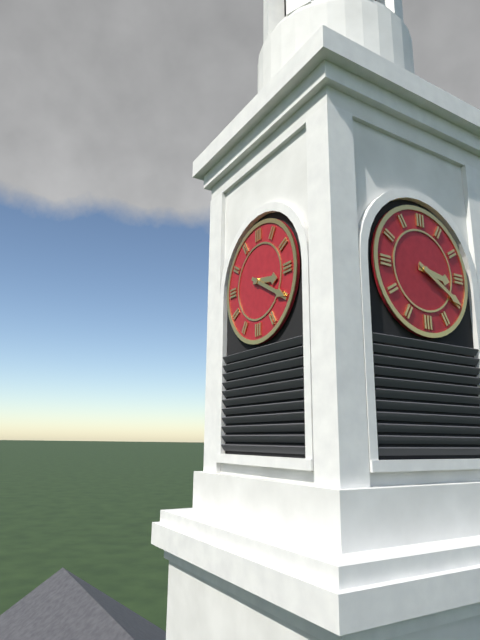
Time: {"hour": 3, "minute": 20}
